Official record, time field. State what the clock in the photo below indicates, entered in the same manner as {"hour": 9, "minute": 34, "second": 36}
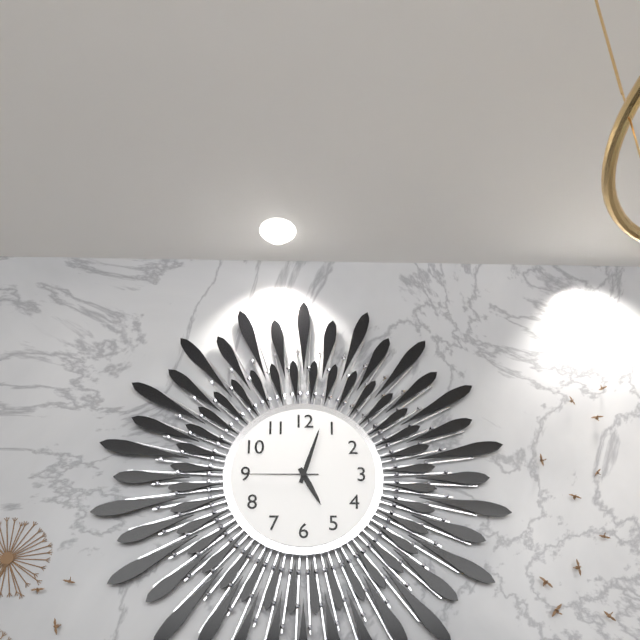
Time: {"hour": 5, "minute": 3, "second": 45}
